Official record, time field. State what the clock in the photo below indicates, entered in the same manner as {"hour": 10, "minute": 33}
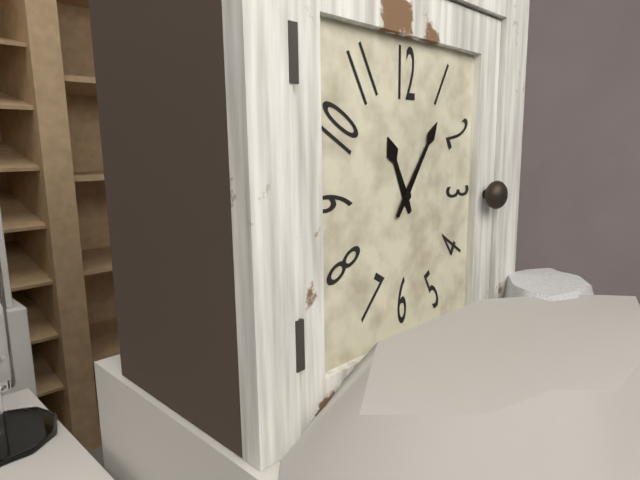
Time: {"hour": 11, "minute": 6}
